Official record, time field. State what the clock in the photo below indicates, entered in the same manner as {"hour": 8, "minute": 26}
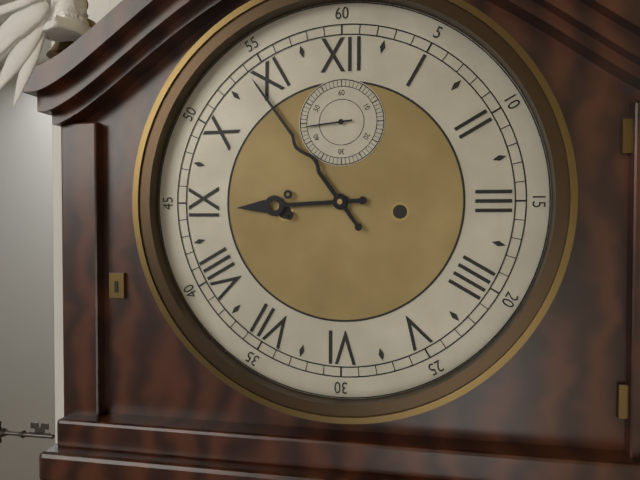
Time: {"hour": 8, "minute": 54}
